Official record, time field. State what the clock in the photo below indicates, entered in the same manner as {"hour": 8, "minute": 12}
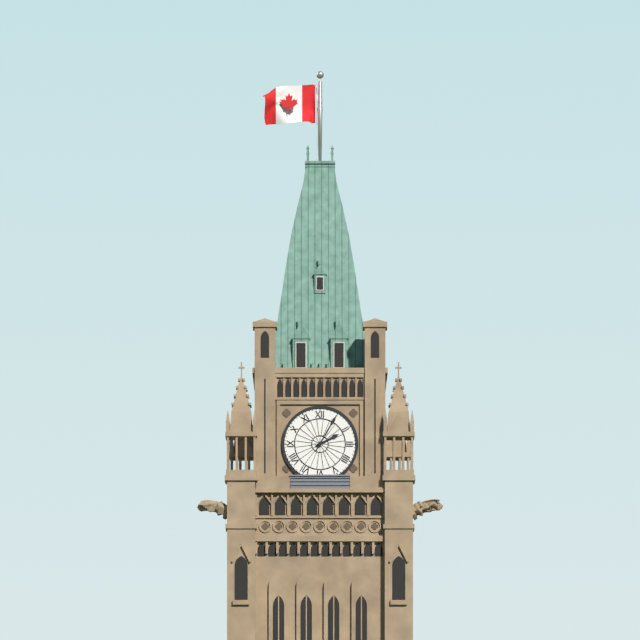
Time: {"hour": 2, "minute": 5}
